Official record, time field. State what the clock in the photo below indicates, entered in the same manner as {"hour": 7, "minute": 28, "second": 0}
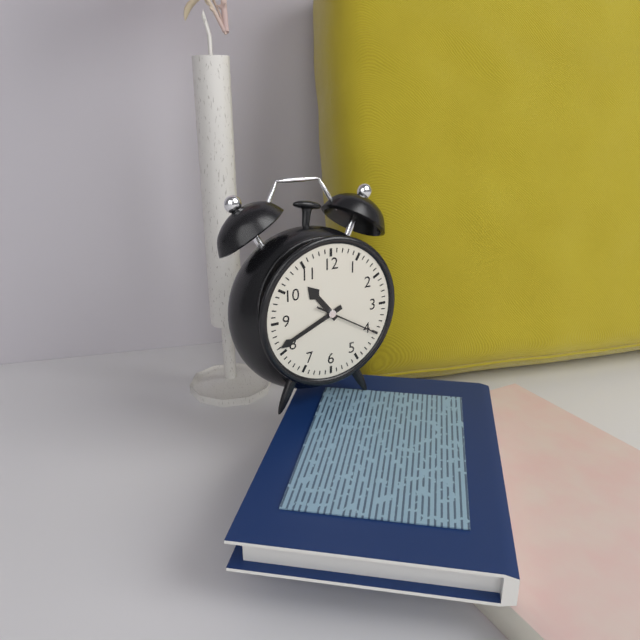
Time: {"hour": 10, "minute": 41, "second": 20}
